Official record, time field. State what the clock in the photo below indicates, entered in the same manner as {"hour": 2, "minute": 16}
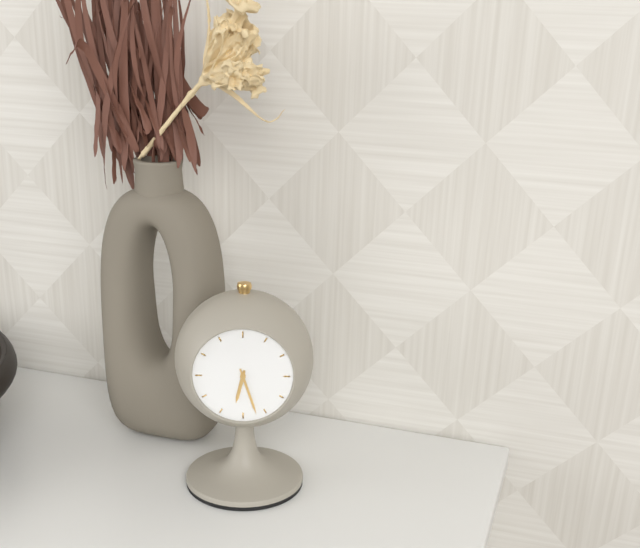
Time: {"hour": 6, "minute": 27}
